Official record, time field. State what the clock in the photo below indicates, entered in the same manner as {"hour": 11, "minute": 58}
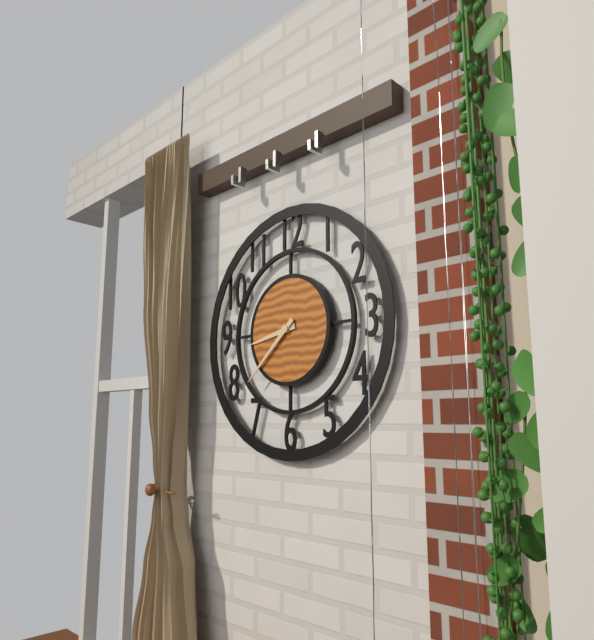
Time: {"hour": 8, "minute": 38}
